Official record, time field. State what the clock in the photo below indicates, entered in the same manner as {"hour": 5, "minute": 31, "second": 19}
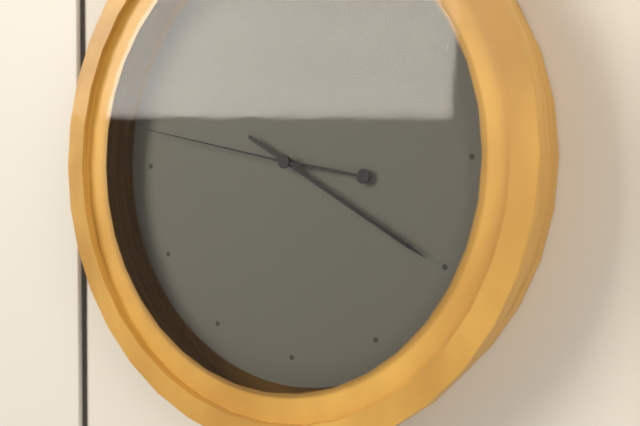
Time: {"hour": 3, "minute": 20, "second": 47}
